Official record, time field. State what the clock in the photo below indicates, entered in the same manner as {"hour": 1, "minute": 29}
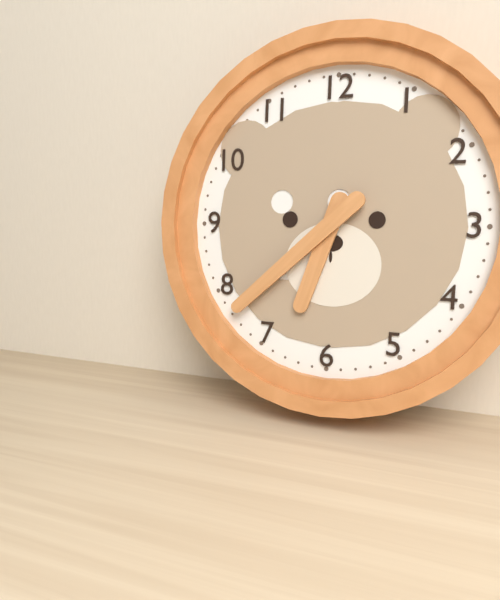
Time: {"hour": 6, "minute": 38}
